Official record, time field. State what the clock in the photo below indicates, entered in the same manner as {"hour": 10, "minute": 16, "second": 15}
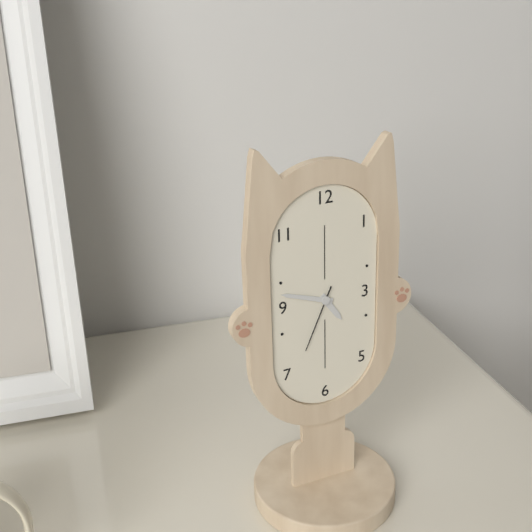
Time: {"hour": 4, "minute": 48, "second": 34}
